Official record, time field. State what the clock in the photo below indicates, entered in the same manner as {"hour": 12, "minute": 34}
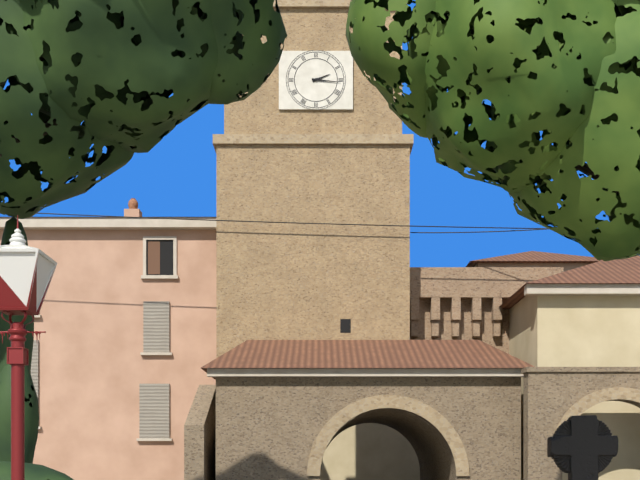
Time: {"hour": 2, "minute": 16}
